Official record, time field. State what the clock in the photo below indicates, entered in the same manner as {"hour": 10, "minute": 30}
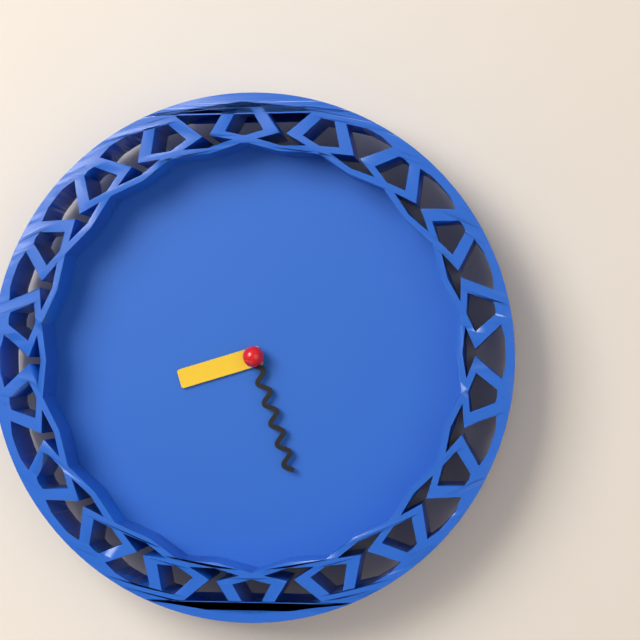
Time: {"hour": 8, "minute": 27}
